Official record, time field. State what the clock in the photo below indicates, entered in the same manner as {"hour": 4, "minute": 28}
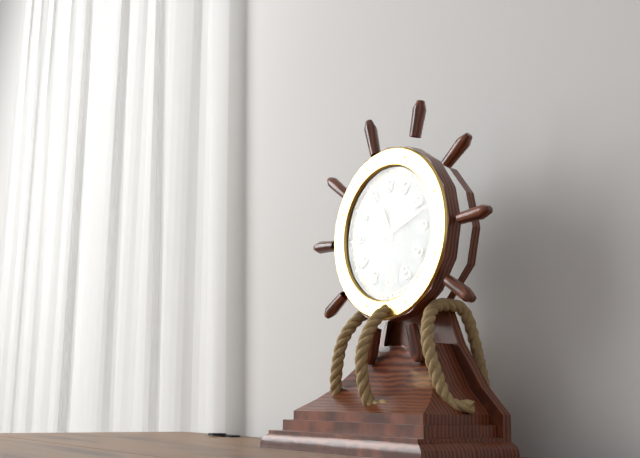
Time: {"hour": 11, "minute": 12}
